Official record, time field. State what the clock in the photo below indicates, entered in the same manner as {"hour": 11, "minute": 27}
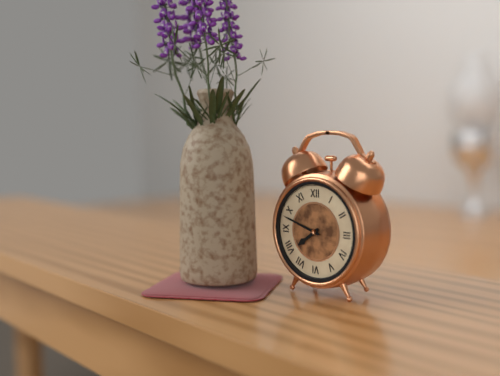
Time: {"hour": 7, "minute": 48}
